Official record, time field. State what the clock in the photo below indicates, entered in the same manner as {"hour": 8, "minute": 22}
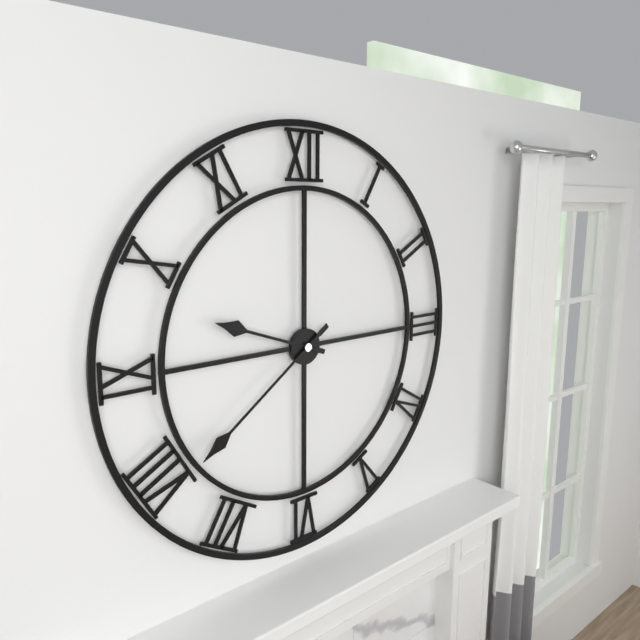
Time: {"hour": 9, "minute": 39}
